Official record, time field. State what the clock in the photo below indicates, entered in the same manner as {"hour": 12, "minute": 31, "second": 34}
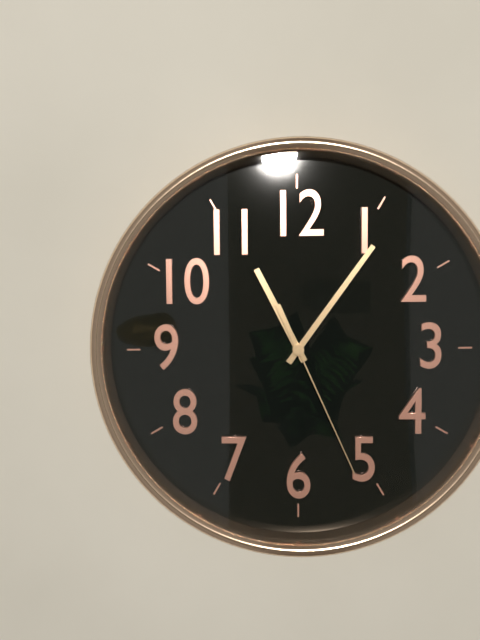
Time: {"hour": 11, "minute": 6, "second": 26}
